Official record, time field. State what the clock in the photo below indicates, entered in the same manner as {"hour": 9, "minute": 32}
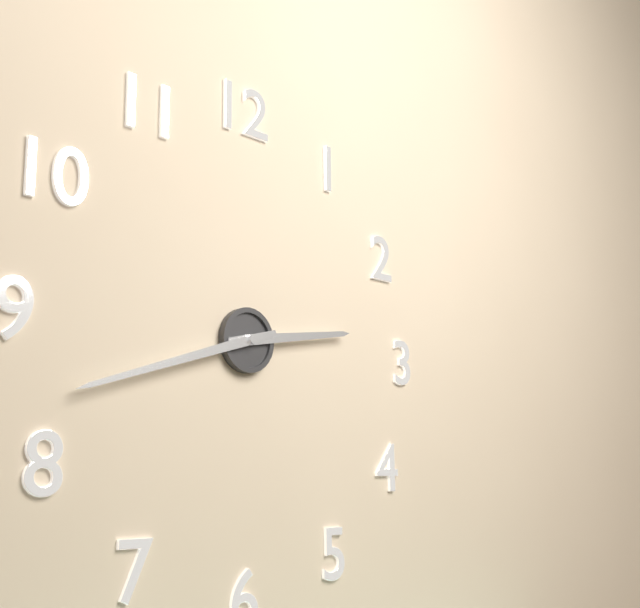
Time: {"hour": 2, "minute": 42}
